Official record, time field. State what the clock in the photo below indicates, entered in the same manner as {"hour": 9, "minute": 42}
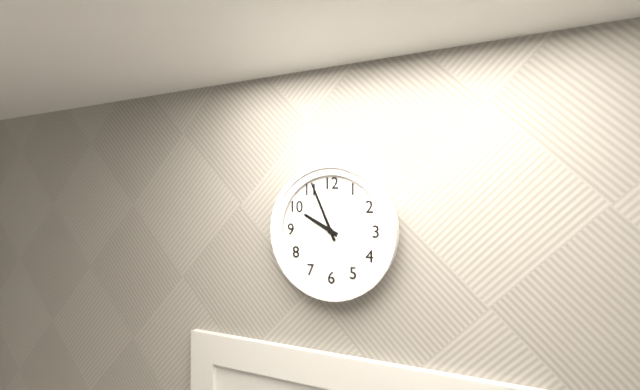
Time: {"hour": 9, "minute": 56}
